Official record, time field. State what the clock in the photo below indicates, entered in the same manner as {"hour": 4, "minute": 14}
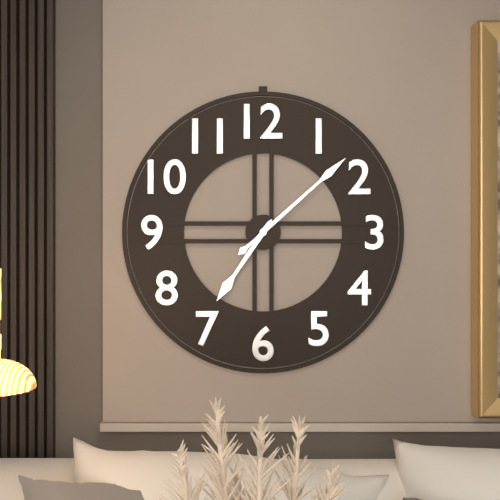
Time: {"hour": 7, "minute": 8}
